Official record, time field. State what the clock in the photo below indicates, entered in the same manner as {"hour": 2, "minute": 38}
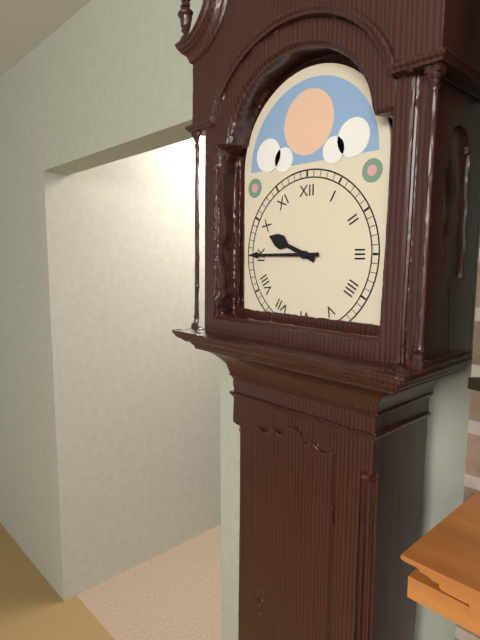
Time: {"hour": 9, "minute": 45}
